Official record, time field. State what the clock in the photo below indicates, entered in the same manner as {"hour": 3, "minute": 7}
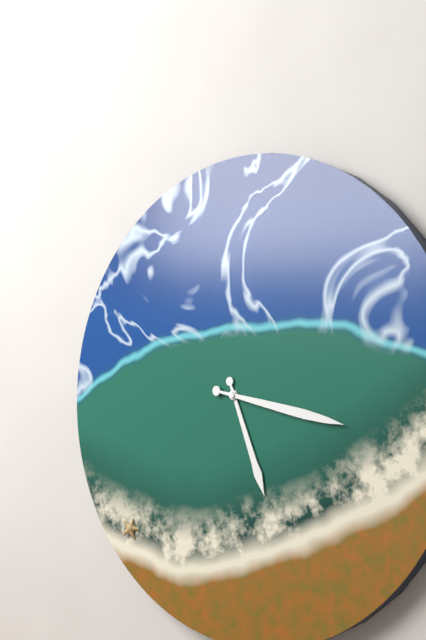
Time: {"hour": 5, "minute": 17}
